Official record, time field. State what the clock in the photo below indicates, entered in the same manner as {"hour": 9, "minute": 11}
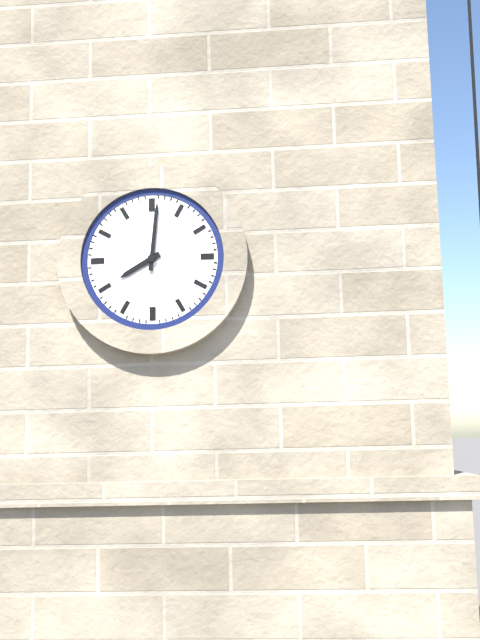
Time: {"hour": 8, "minute": 1}
